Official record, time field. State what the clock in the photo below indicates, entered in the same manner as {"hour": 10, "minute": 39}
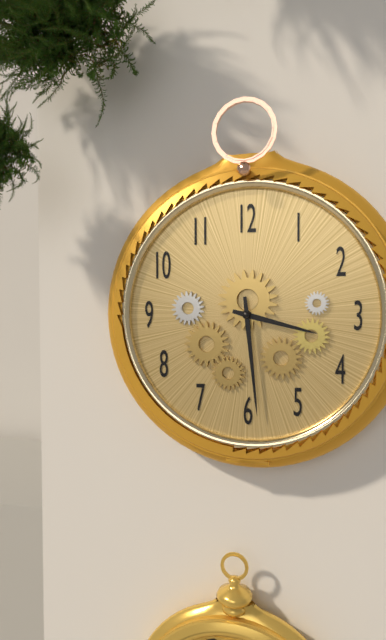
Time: {"hour": 3, "minute": 29}
